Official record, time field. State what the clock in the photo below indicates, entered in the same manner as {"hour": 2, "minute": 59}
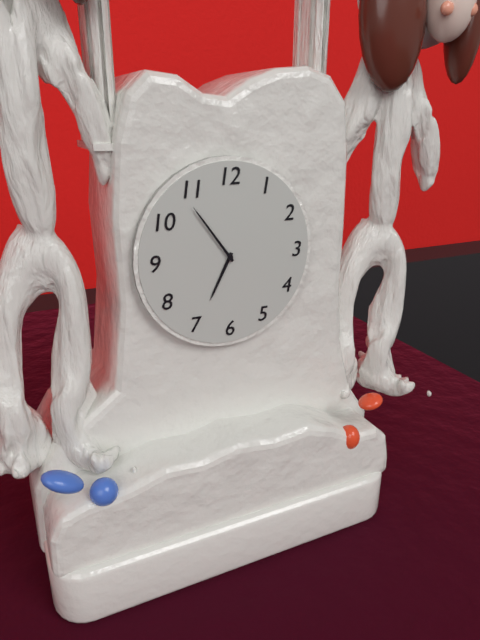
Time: {"hour": 6, "minute": 54}
